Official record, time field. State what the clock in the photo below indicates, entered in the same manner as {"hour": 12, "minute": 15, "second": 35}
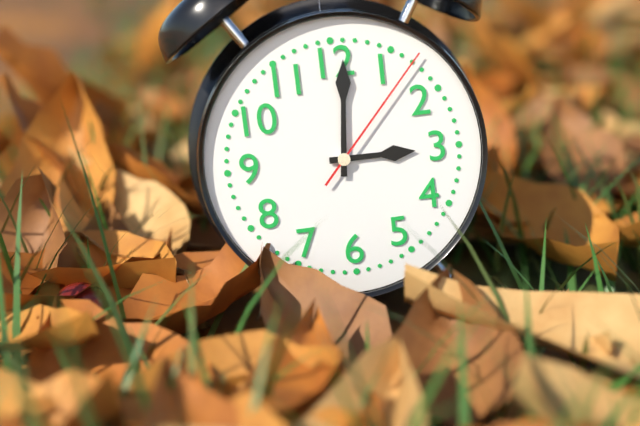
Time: {"hour": 3, "minute": 1, "second": 7}
